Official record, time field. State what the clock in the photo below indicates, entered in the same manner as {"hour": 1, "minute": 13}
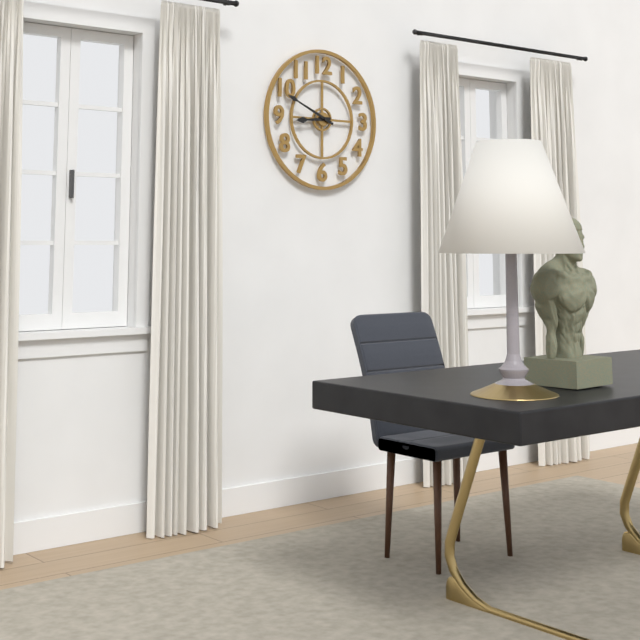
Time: {"hour": 8, "minute": 49}
